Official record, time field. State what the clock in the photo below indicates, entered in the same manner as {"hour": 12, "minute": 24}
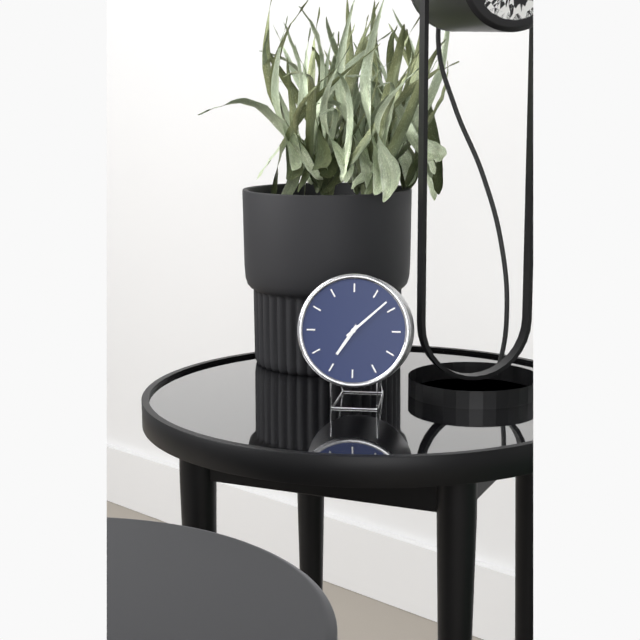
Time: {"hour": 7, "minute": 8}
